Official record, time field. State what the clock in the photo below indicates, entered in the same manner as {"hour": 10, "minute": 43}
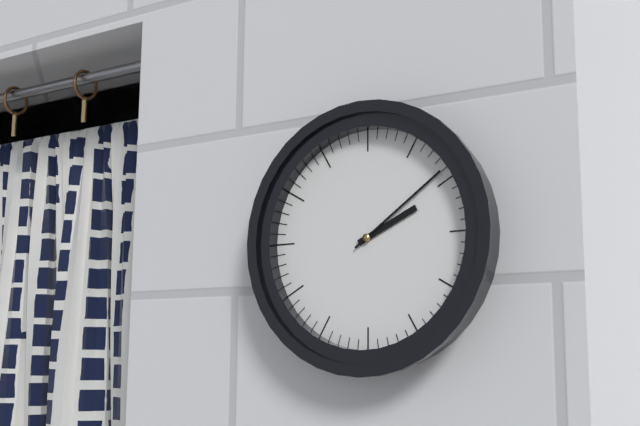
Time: {"hour": 2, "minute": 9}
